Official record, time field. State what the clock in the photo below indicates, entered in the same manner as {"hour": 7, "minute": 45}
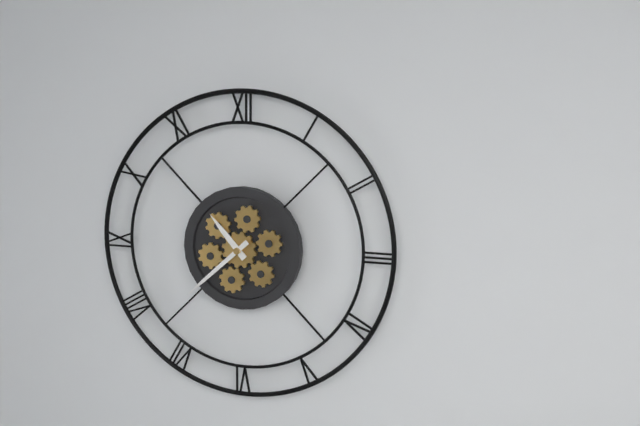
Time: {"hour": 10, "minute": 38}
